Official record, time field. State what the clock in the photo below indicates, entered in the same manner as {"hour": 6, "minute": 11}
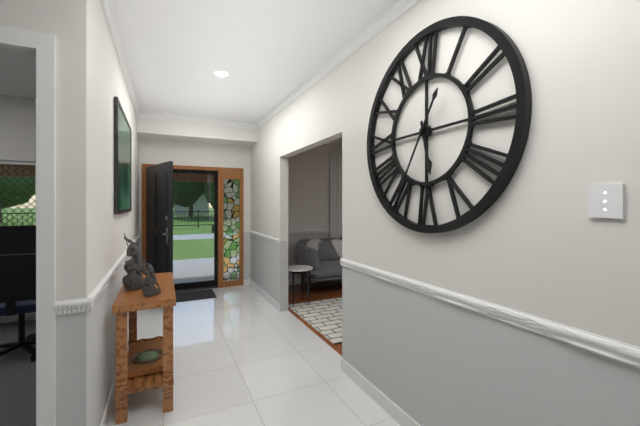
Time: {"hour": 5, "minute": 35}
